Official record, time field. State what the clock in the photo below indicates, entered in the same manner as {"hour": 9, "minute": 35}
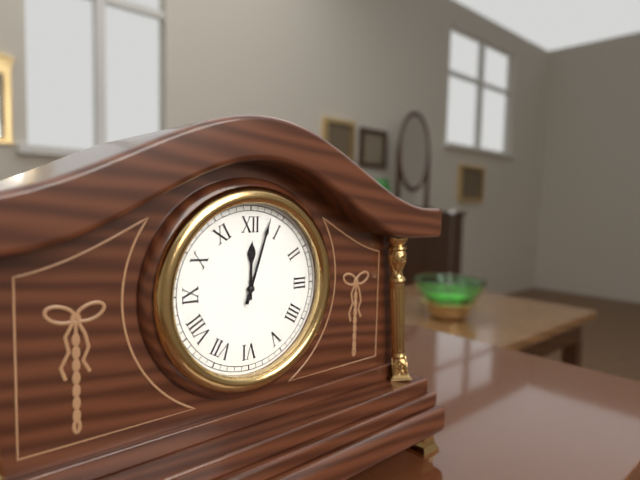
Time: {"hour": 12, "minute": 3}
